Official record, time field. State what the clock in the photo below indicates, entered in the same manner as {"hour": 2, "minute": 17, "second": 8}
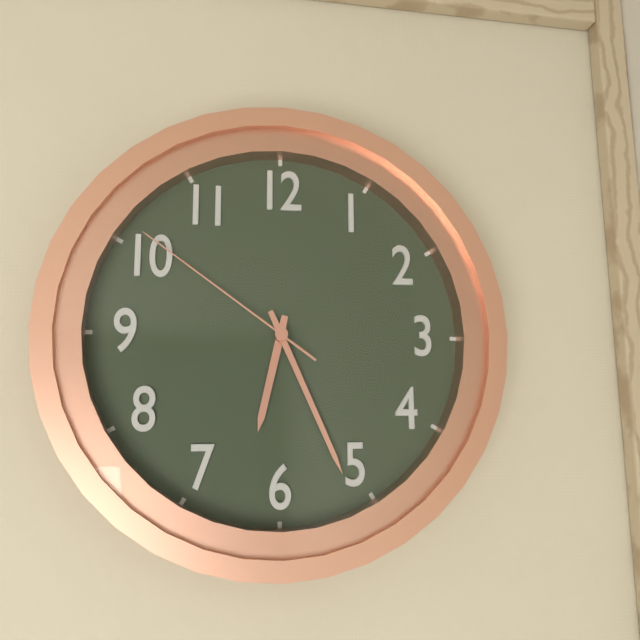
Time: {"hour": 6, "minute": 26, "second": 51}
